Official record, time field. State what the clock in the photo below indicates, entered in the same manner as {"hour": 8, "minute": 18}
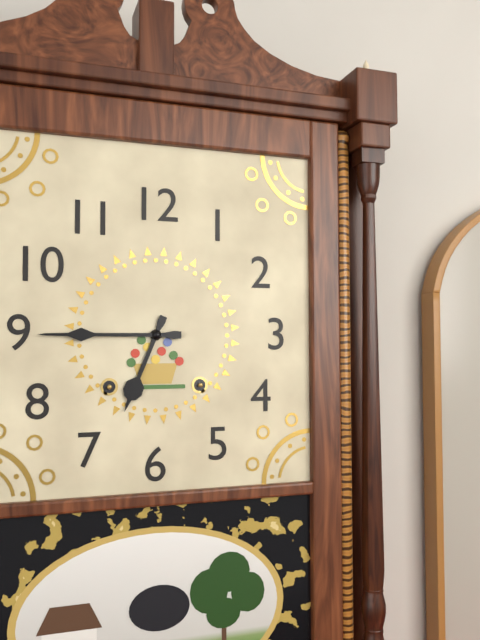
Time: {"hour": 6, "minute": 45}
